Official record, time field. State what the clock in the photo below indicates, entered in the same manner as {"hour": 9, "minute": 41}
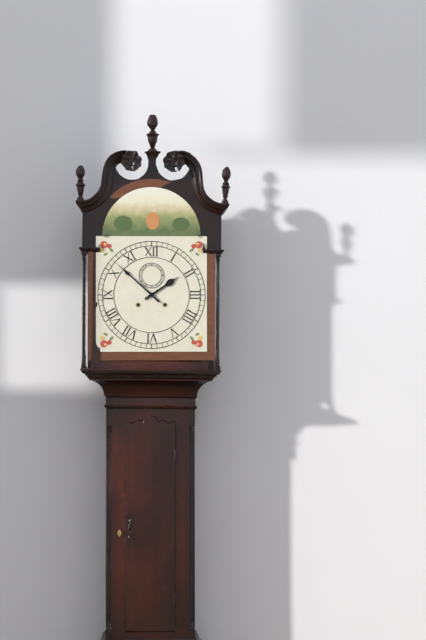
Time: {"hour": 1, "minute": 52}
